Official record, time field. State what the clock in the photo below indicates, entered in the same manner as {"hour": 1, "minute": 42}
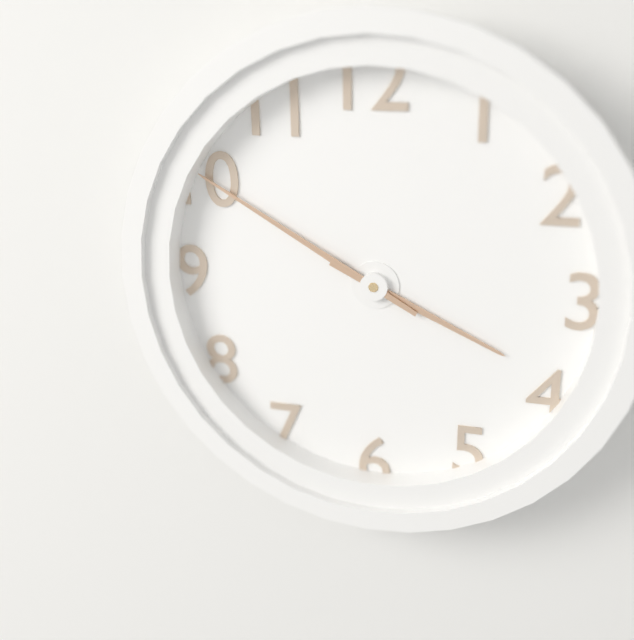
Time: {"hour": 3, "minute": 50}
